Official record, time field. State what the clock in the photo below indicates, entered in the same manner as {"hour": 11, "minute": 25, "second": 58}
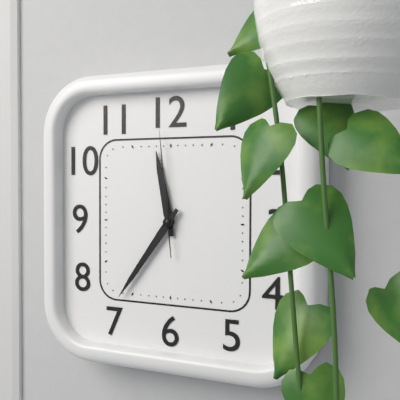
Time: {"hour": 11, "minute": 36, "second": 59}
